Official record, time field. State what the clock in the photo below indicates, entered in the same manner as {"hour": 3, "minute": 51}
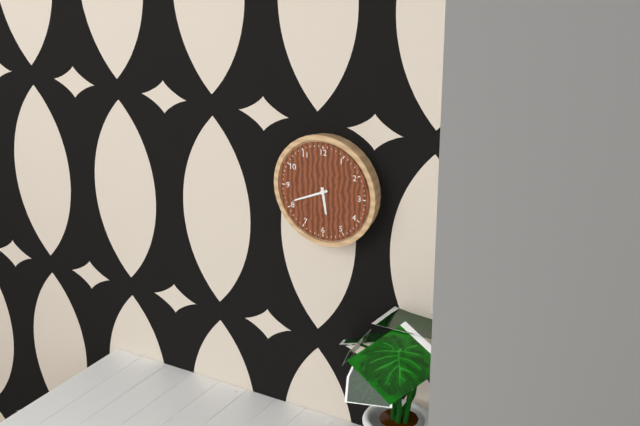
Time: {"hour": 5, "minute": 41}
